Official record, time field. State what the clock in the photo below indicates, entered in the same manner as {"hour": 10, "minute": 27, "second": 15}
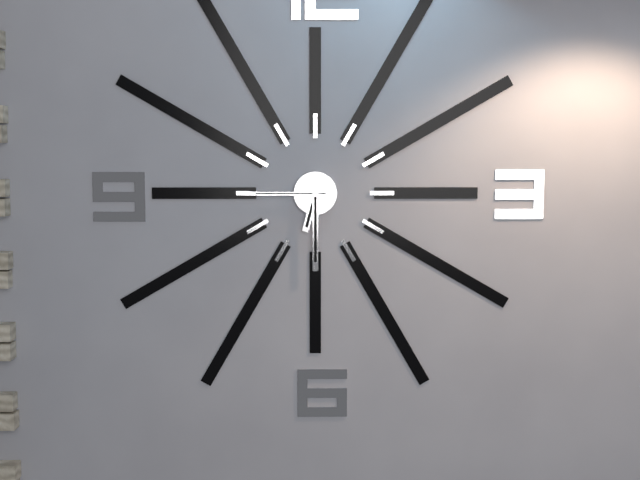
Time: {"hour": 6, "minute": 30, "second": 45}
